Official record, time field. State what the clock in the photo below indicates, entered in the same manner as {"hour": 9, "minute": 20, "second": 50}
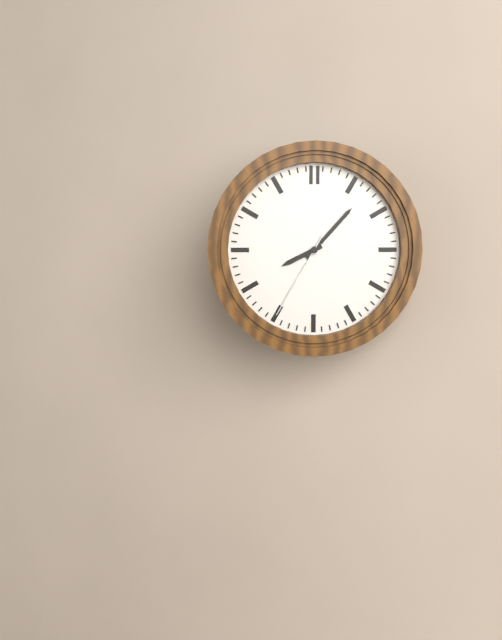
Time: {"hour": 8, "minute": 7, "second": 35}
